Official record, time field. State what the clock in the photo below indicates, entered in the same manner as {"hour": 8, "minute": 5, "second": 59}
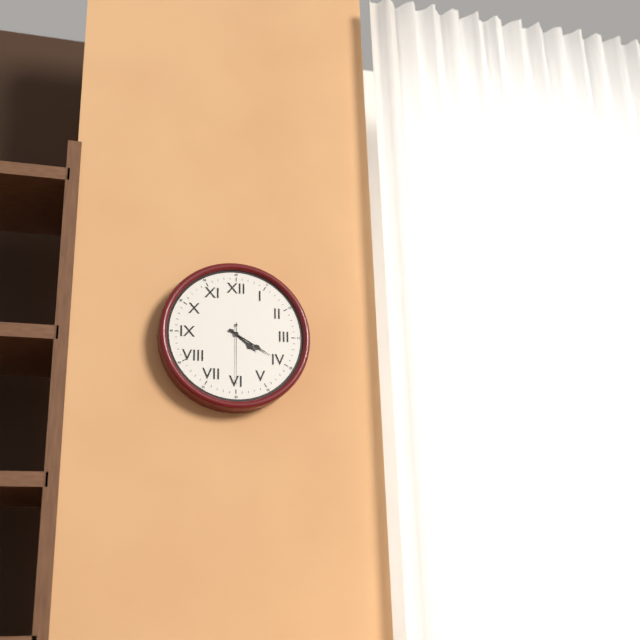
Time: {"hour": 4, "minute": 20, "second": 30}
